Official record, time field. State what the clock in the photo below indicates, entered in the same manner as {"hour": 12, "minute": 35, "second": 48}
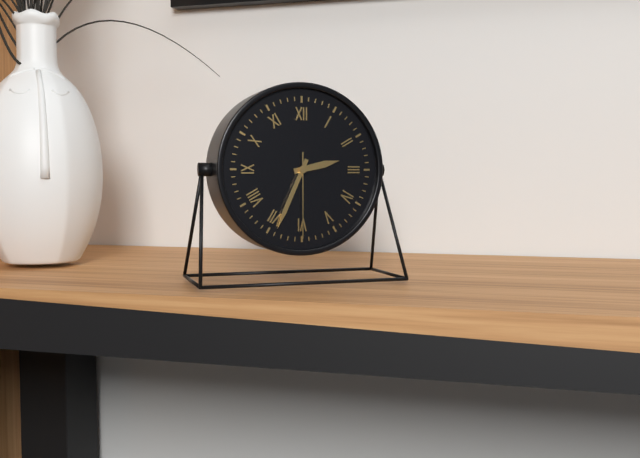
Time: {"hour": 2, "minute": 34, "second": 30}
